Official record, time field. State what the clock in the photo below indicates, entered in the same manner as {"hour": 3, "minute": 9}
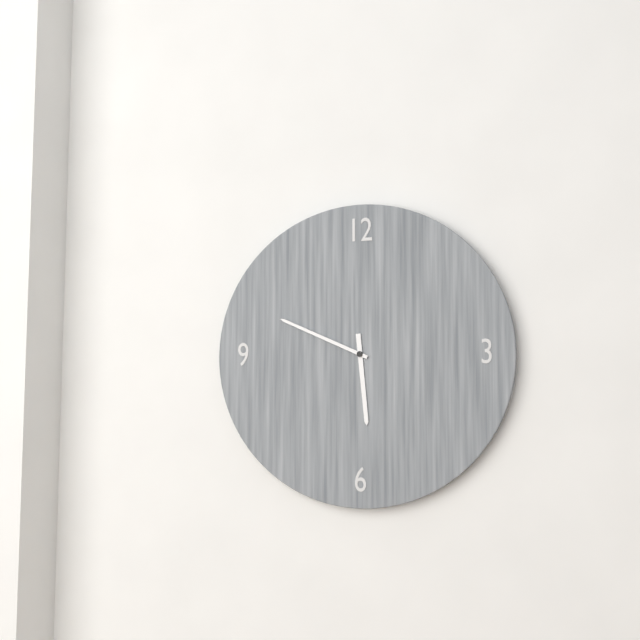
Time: {"hour": 5, "minute": 49}
